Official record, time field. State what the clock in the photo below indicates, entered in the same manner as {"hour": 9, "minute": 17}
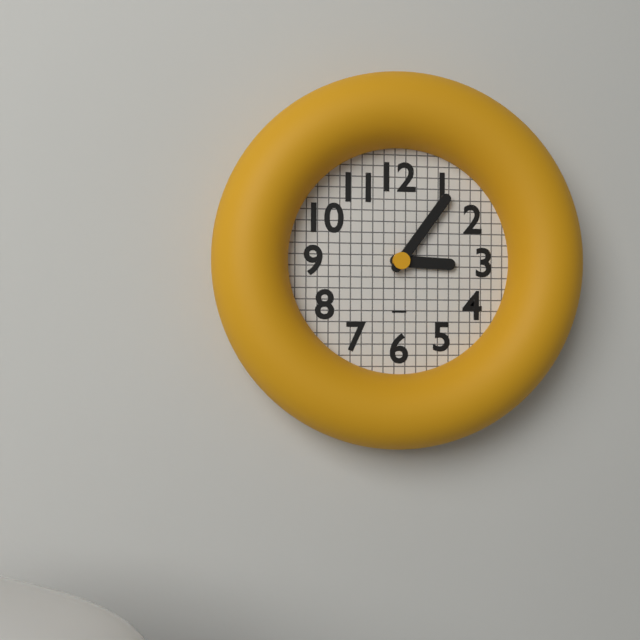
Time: {"hour": 3, "minute": 6}
